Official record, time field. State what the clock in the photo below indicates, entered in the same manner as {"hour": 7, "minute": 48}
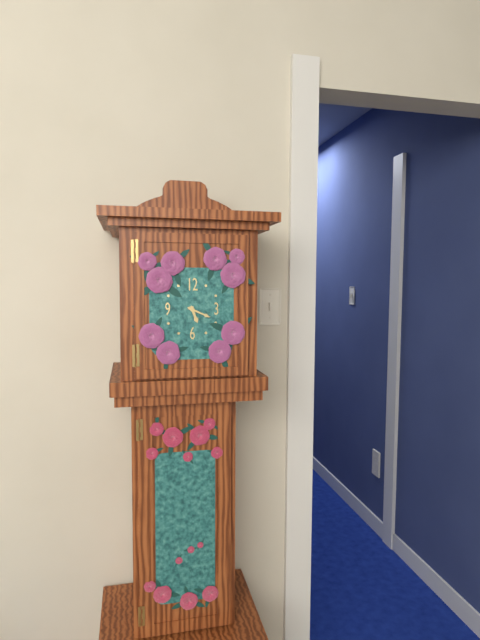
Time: {"hour": 5, "minute": 19}
